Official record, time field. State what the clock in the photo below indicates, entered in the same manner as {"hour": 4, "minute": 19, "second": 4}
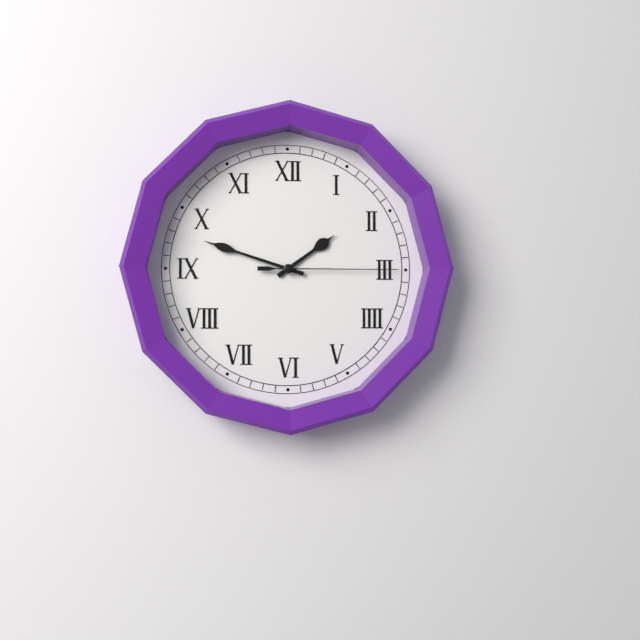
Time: {"hour": 1, "minute": 48, "second": 15}
